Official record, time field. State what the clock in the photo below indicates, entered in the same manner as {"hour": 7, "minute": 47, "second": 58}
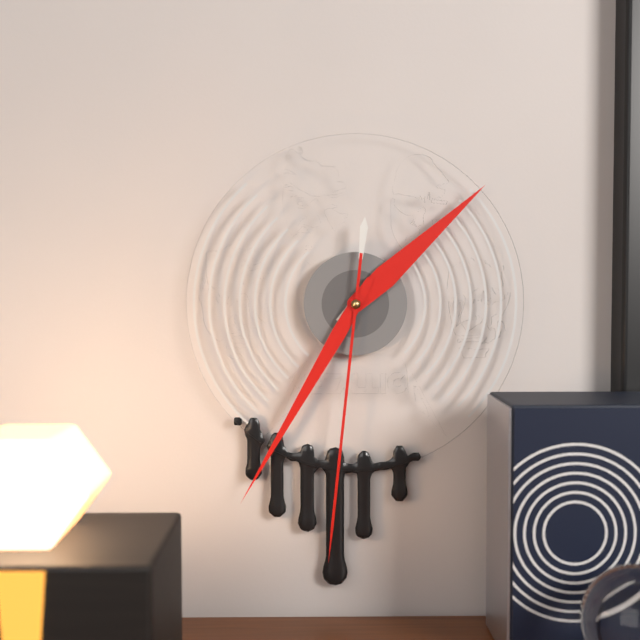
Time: {"hour": 1, "minute": 35, "second": 31}
